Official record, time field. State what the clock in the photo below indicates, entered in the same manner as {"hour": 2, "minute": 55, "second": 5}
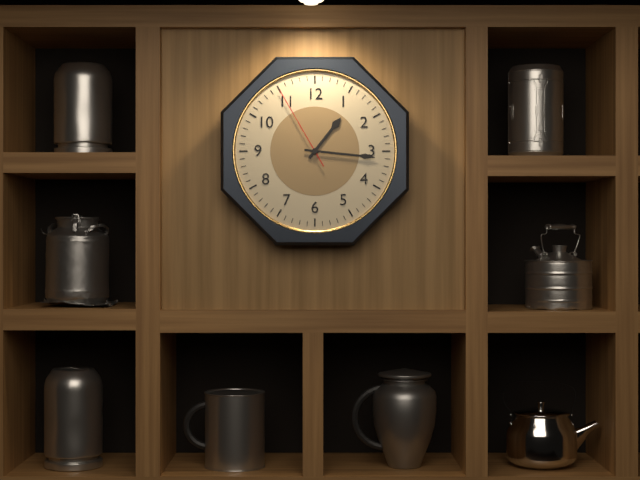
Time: {"hour": 1, "minute": 16, "second": 55}
